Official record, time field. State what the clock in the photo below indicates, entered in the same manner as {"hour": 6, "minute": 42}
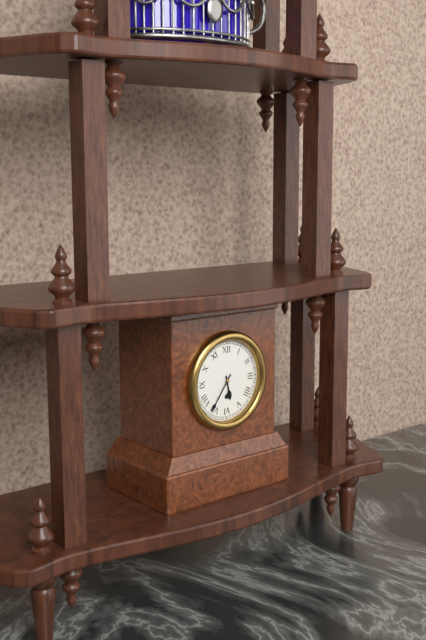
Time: {"hour": 5, "minute": 36}
